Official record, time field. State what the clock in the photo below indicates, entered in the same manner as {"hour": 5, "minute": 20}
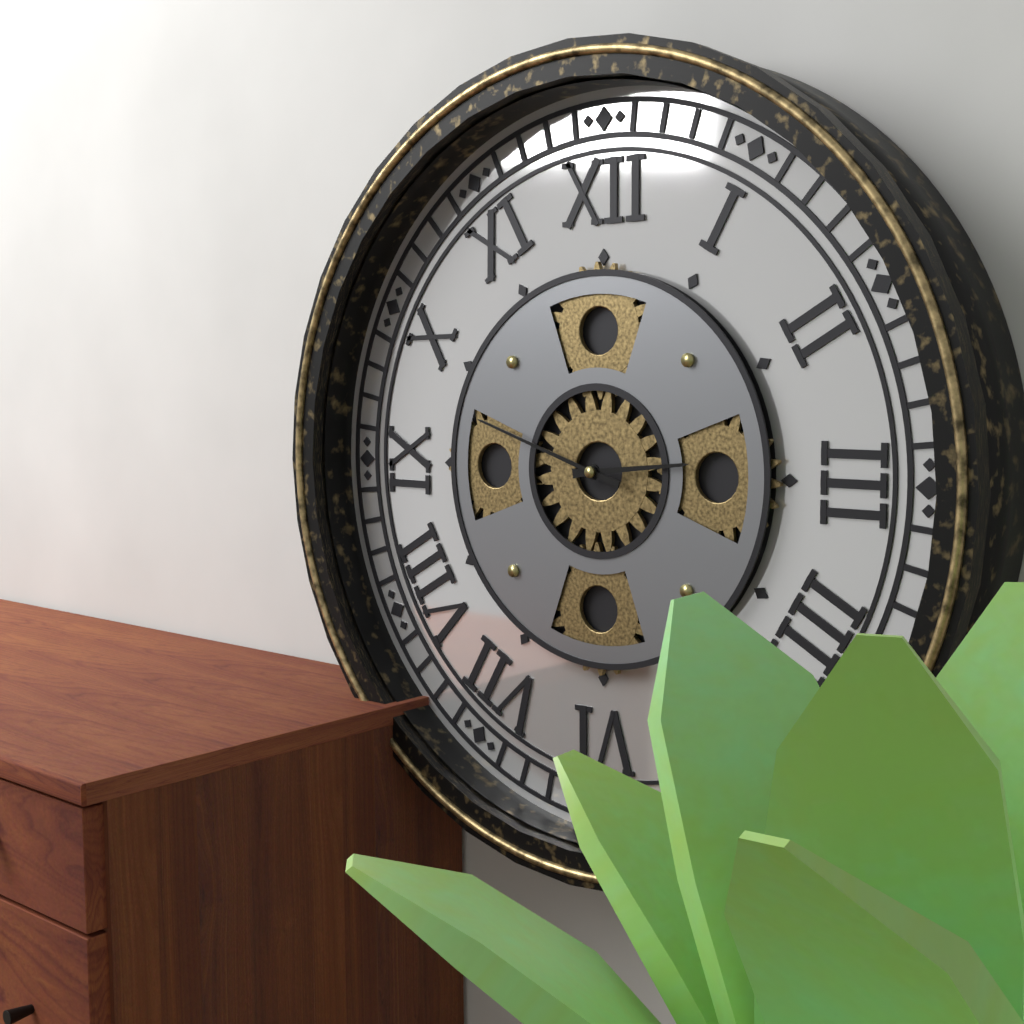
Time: {"hour": 2, "minute": 48}
